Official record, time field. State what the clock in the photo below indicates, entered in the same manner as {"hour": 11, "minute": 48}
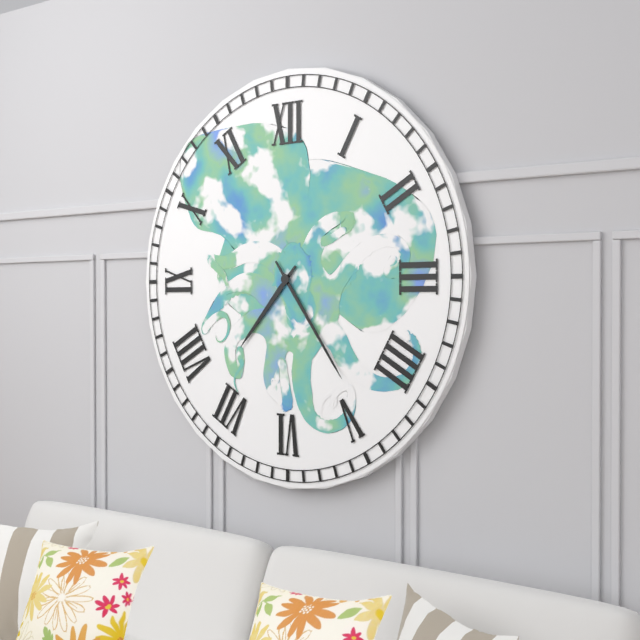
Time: {"hour": 7, "minute": 24}
